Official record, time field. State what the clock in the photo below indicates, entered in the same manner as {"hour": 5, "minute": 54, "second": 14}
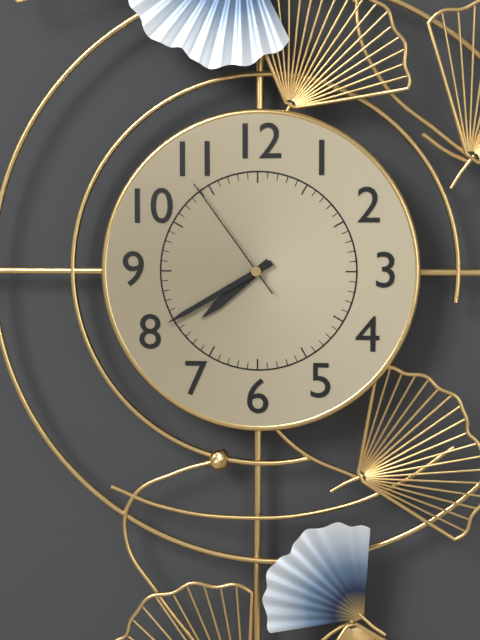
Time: {"hour": 7, "minute": 40, "second": 54}
